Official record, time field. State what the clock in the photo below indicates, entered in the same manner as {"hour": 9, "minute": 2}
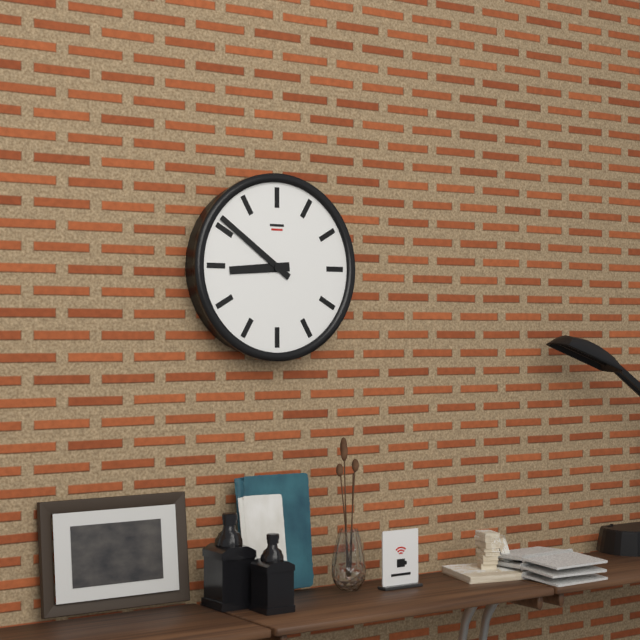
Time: {"hour": 8, "minute": 51}
